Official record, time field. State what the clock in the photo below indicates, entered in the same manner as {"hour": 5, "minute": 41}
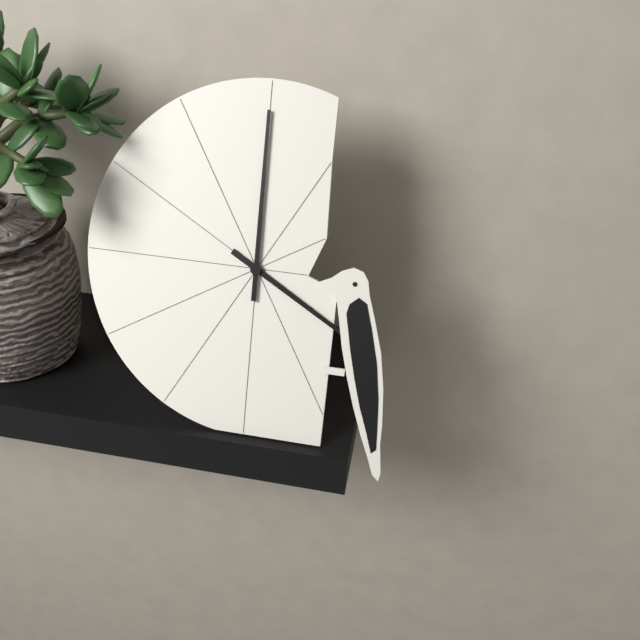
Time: {"hour": 4, "minute": 0}
